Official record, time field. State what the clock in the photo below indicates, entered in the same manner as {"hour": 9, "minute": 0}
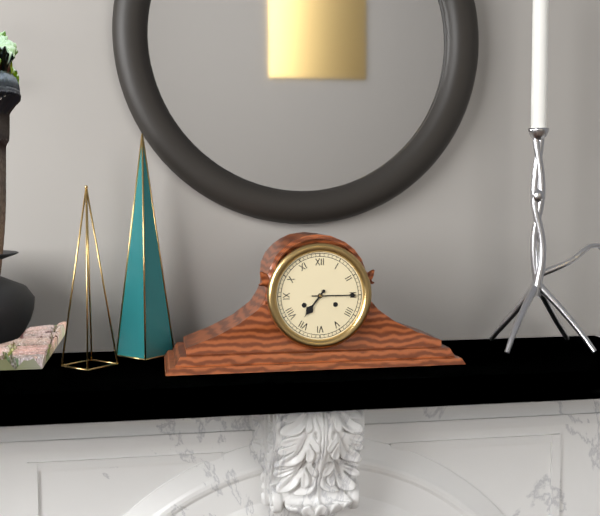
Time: {"hour": 7, "minute": 15}
